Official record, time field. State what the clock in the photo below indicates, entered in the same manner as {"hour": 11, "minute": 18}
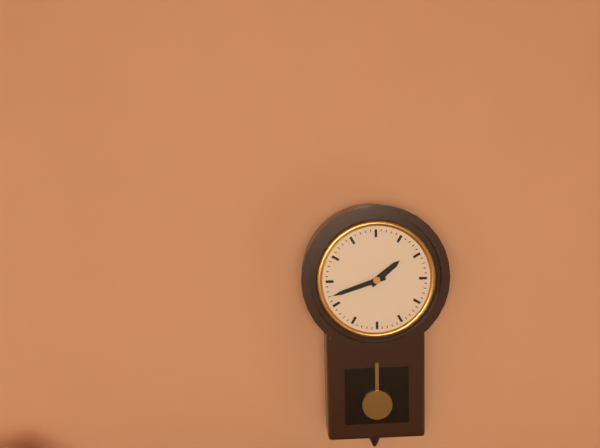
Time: {"hour": 1, "minute": 42}
